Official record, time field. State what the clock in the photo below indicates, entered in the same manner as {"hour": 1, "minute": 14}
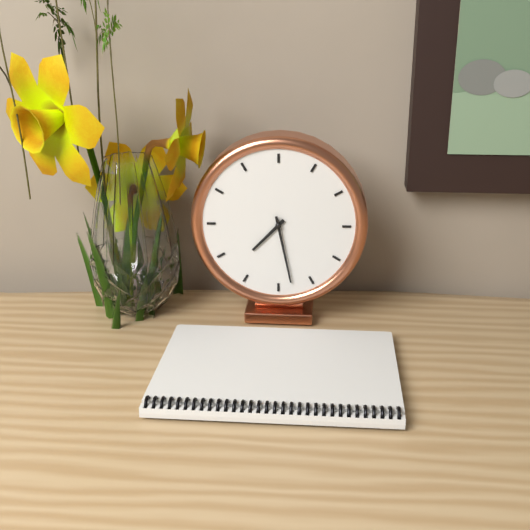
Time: {"hour": 7, "minute": 28}
